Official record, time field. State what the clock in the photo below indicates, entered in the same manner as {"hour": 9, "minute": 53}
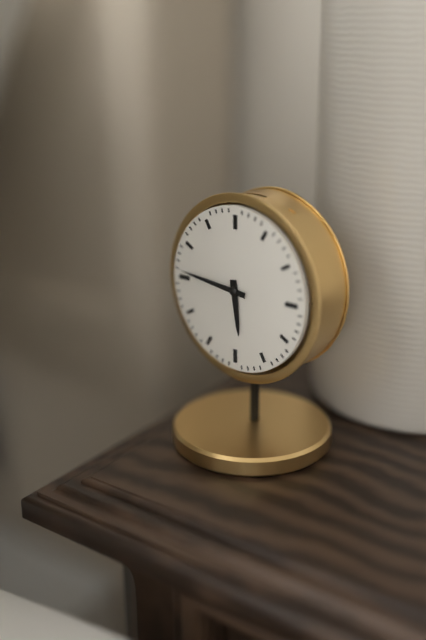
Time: {"hour": 5, "minute": 46}
